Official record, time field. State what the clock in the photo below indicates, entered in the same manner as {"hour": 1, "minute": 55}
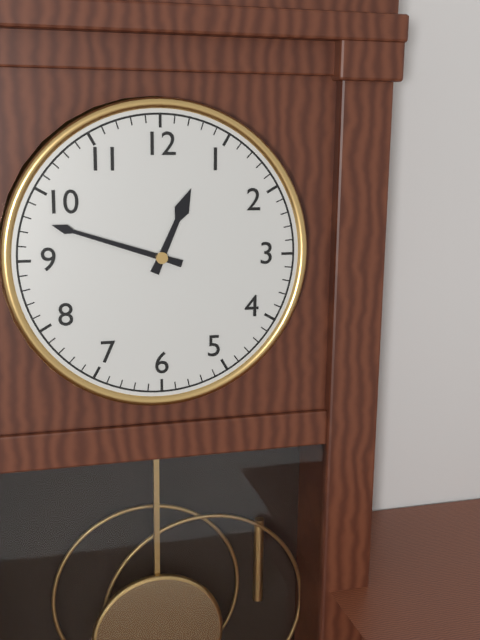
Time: {"hour": 12, "minute": 48}
